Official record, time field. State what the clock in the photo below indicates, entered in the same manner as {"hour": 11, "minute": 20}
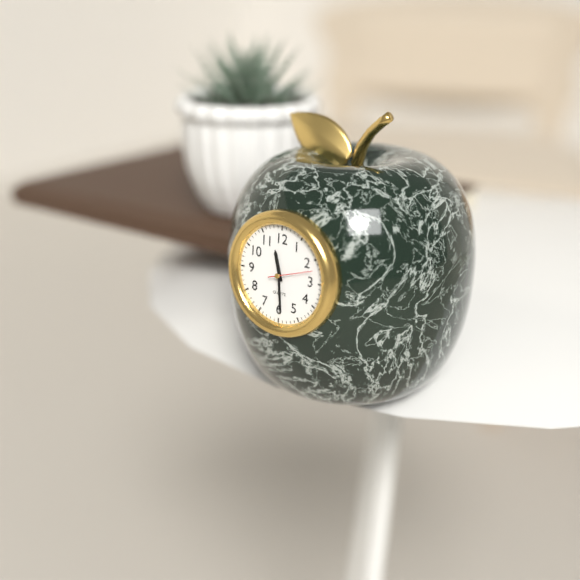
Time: {"hour": 11, "minute": 29}
